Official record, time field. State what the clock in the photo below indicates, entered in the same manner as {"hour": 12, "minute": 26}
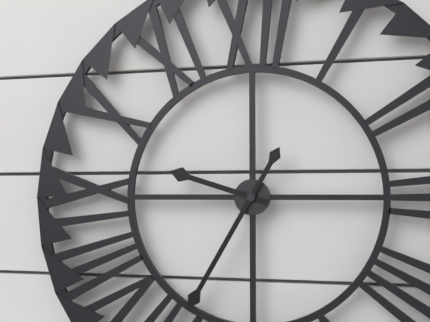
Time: {"hour": 9, "minute": 35}
